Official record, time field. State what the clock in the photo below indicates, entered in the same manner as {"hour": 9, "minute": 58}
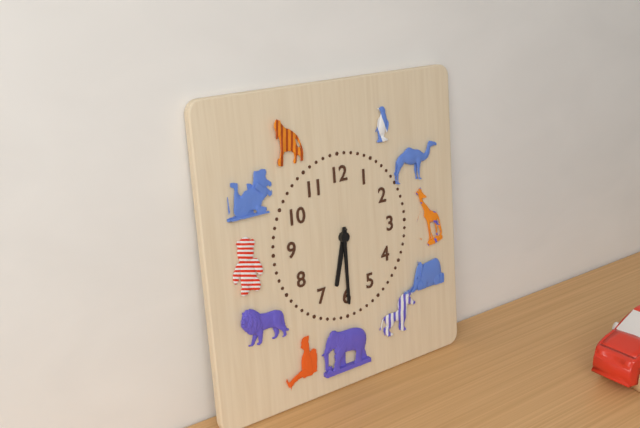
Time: {"hour": 6, "minute": 30}
